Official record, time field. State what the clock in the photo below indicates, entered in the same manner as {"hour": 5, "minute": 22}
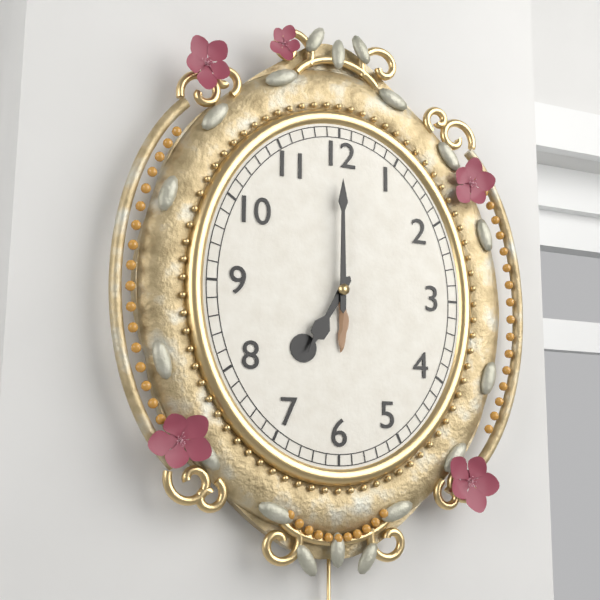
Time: {"hour": 7, "minute": 0}
